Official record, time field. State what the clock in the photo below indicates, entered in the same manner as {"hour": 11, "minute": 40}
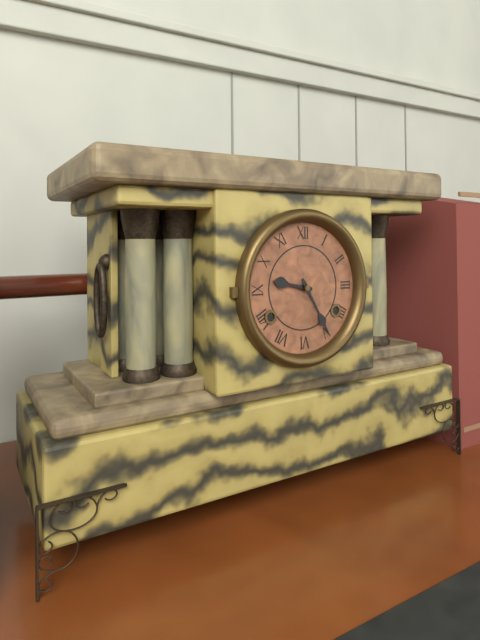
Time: {"hour": 9, "minute": 25}
